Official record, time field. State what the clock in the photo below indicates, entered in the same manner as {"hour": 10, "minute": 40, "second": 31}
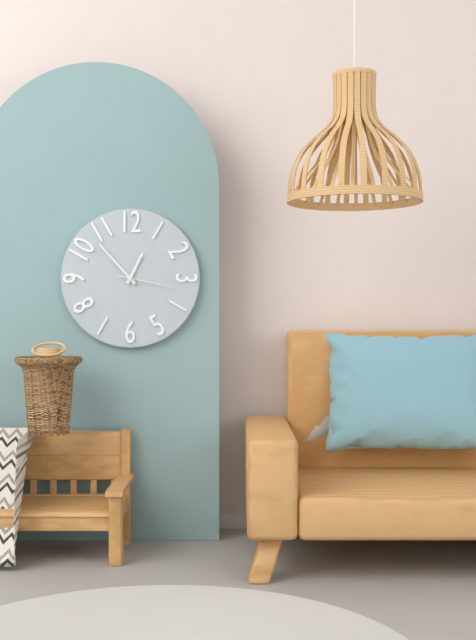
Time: {"hour": 12, "minute": 53, "second": 17}
